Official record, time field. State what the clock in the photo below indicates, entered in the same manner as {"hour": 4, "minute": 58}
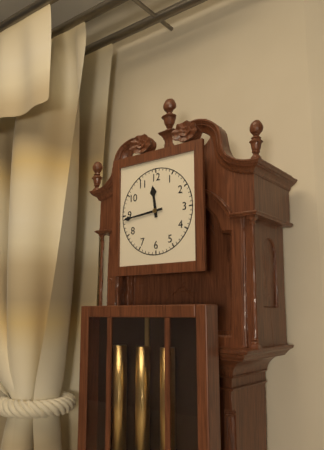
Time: {"hour": 11, "minute": 44}
